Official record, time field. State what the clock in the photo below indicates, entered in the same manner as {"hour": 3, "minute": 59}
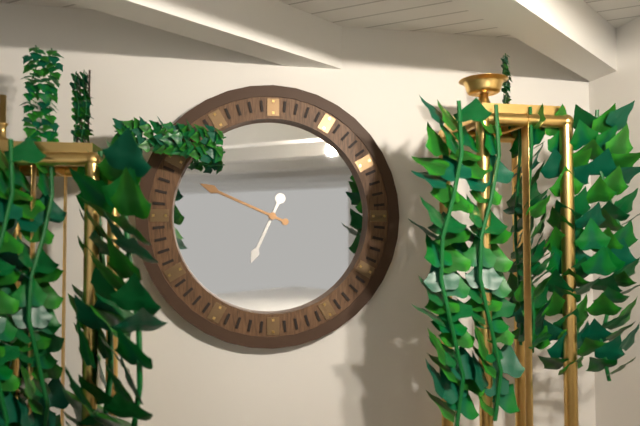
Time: {"hour": 6, "minute": 49}
